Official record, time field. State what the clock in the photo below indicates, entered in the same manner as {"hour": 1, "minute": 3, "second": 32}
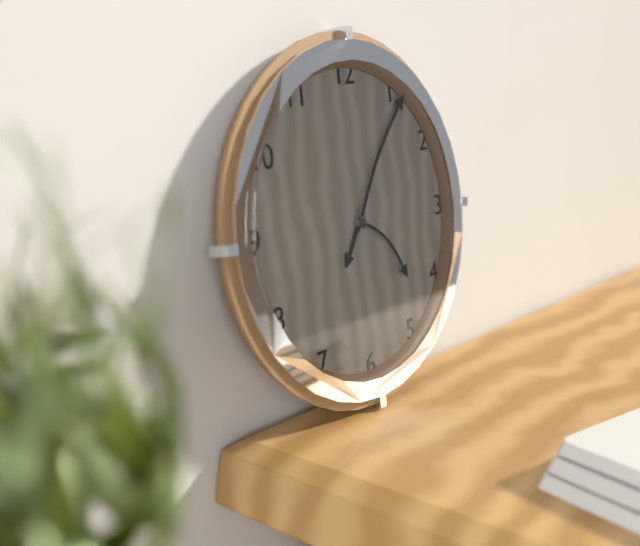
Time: {"hour": 7, "minute": 6, "second": 22}
